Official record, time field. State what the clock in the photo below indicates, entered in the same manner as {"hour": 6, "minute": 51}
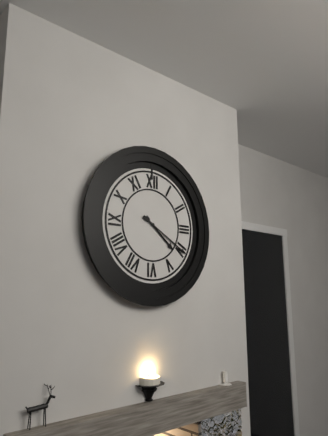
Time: {"hour": 4, "minute": 20}
